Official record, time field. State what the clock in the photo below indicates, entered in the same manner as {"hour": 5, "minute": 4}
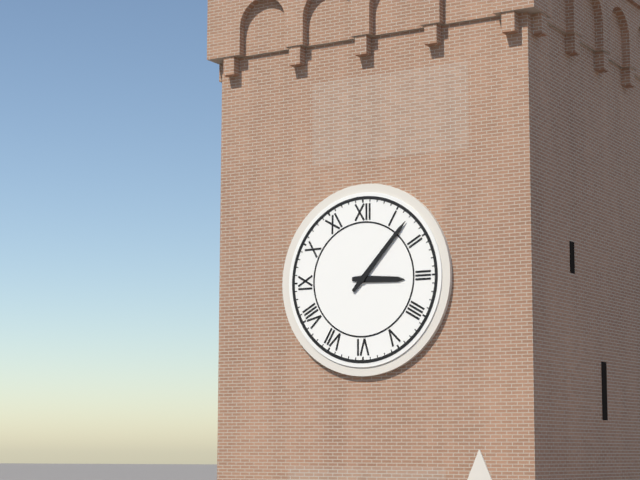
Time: {"hour": 3, "minute": 7}
